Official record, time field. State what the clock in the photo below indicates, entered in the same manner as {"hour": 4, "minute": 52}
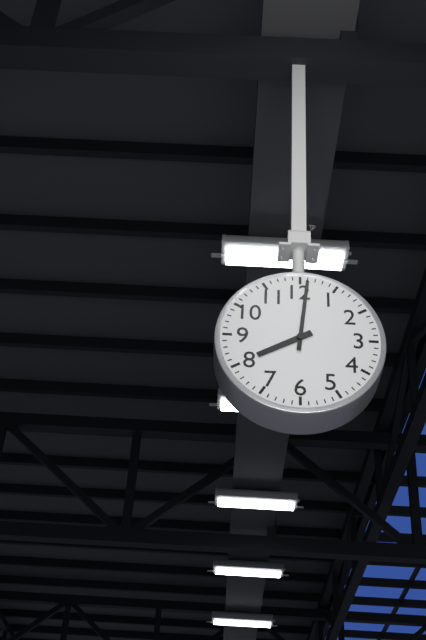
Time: {"hour": 8, "minute": 1}
